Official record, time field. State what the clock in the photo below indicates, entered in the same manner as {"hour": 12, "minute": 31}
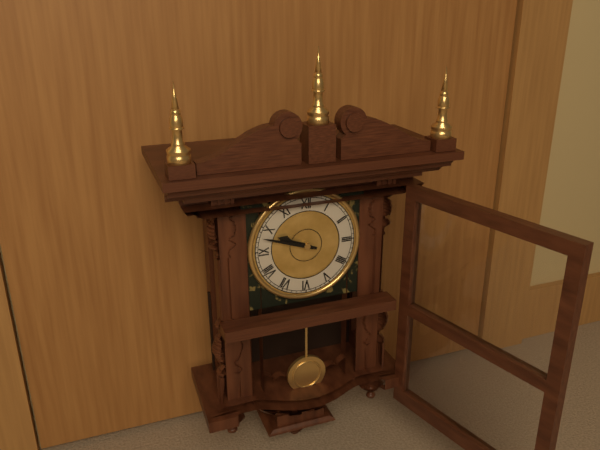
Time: {"hour": 9, "minute": 48}
